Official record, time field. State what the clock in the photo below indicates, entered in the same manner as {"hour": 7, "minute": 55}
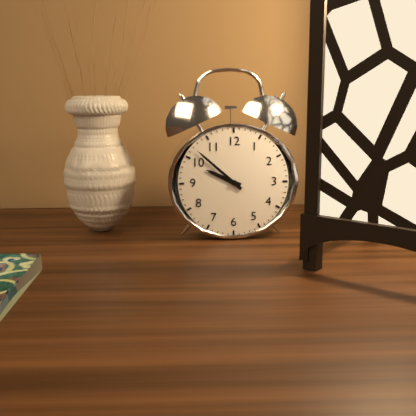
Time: {"hour": 9, "minute": 52}
